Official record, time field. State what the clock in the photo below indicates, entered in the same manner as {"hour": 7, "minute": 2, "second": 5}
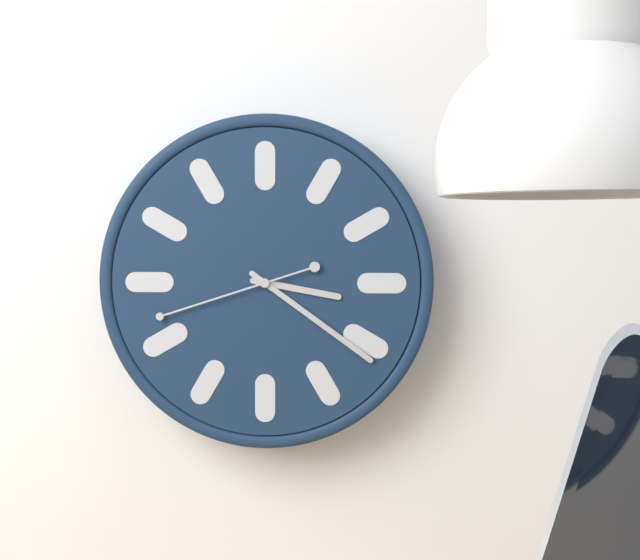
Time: {"hour": 3, "minute": 21, "second": 42}
